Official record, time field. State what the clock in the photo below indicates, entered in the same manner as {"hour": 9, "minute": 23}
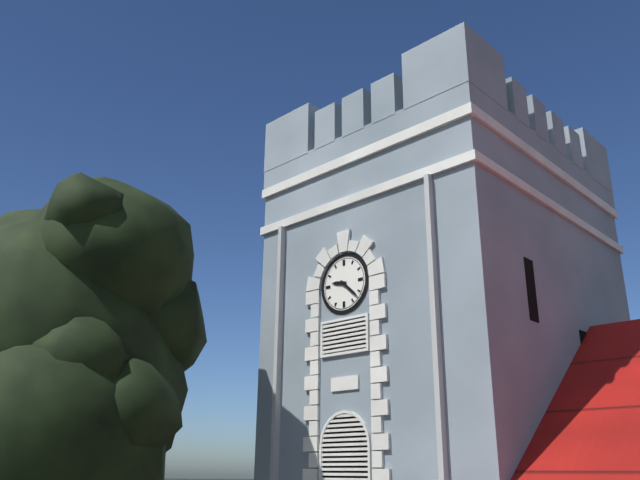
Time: {"hour": 9, "minute": 22}
